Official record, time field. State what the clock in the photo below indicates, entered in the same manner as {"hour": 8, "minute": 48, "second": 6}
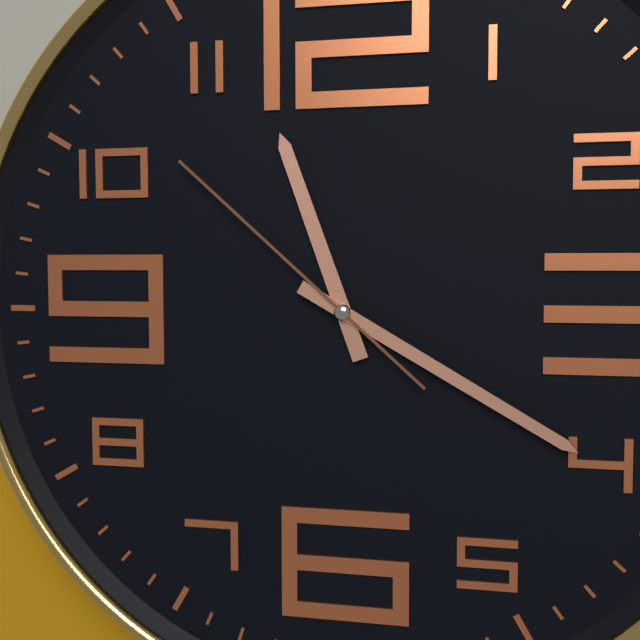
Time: {"hour": 11, "minute": 20, "second": 52}
